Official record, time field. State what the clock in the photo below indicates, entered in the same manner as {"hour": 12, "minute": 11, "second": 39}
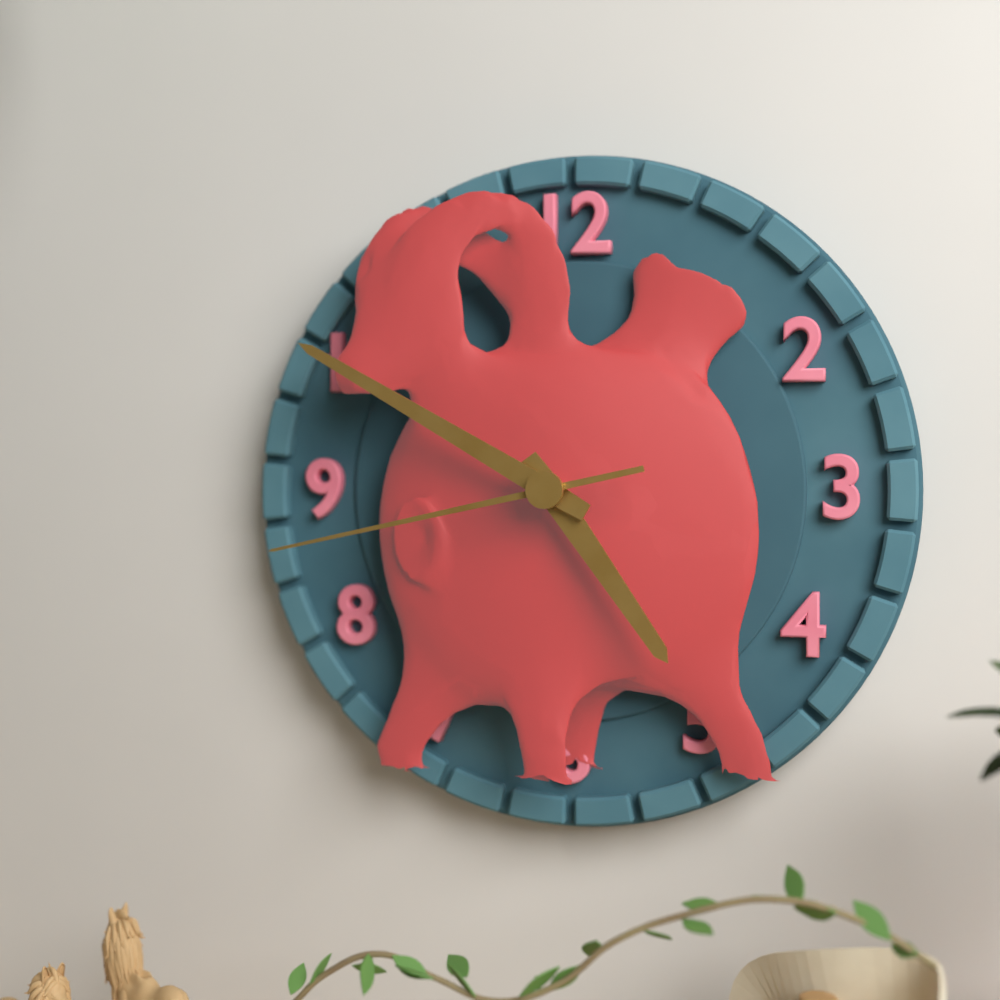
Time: {"hour": 4, "minute": 50, "second": 43}
